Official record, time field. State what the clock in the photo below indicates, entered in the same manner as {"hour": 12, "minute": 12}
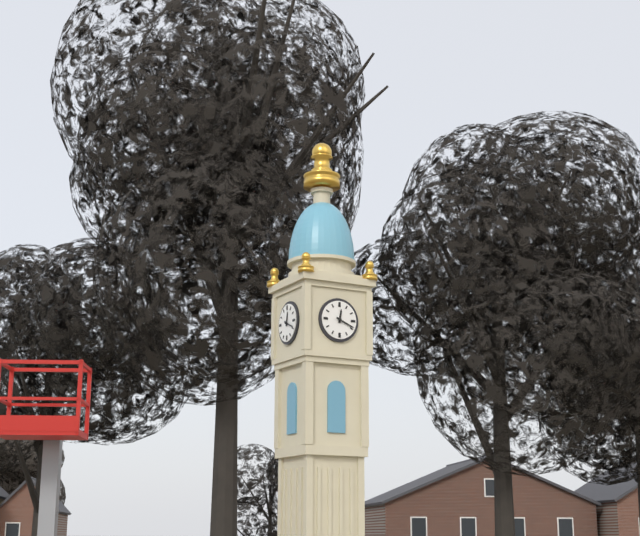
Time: {"hour": 12, "minute": 19}
